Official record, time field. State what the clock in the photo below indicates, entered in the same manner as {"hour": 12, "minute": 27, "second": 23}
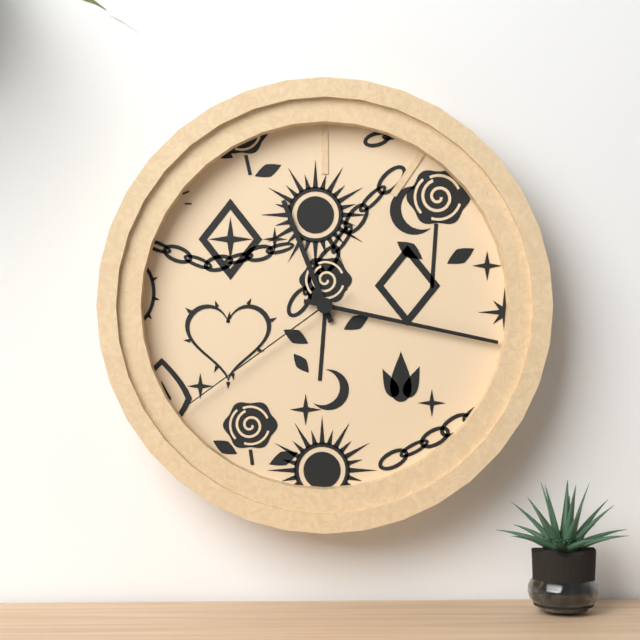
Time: {"hour": 11, "minute": 17, "second": 39}
